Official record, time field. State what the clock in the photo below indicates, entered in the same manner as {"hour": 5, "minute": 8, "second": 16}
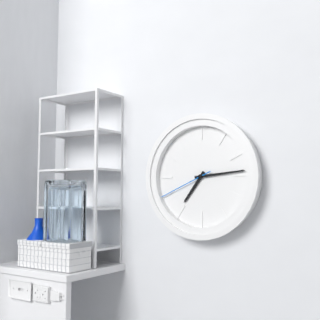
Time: {"hour": 7, "minute": 14, "second": 41}
